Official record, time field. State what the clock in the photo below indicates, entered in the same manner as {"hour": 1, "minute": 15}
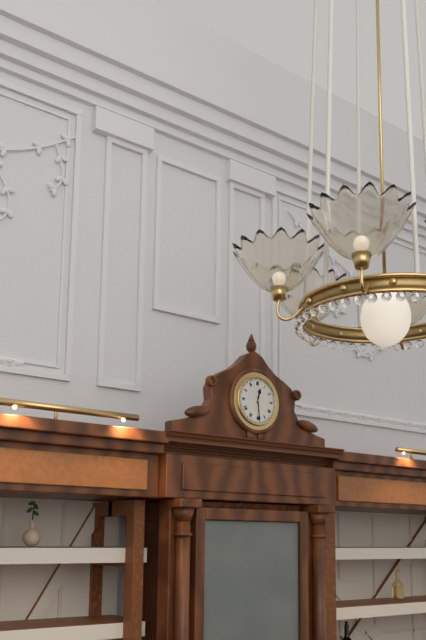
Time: {"hour": 12, "minute": 29}
